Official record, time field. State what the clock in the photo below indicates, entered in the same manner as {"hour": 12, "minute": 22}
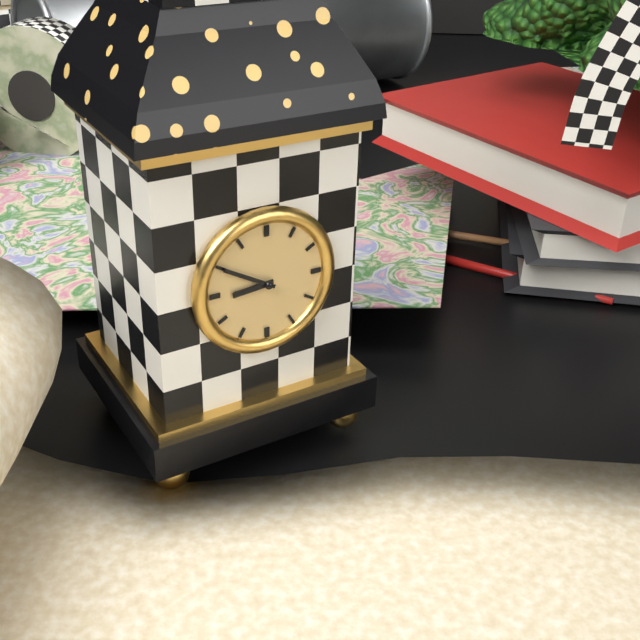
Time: {"hour": 8, "minute": 50}
